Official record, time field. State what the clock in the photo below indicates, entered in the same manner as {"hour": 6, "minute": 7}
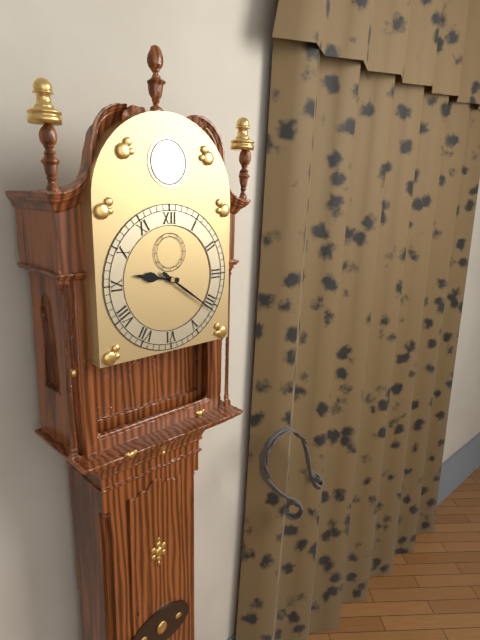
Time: {"hour": 9, "minute": 21}
